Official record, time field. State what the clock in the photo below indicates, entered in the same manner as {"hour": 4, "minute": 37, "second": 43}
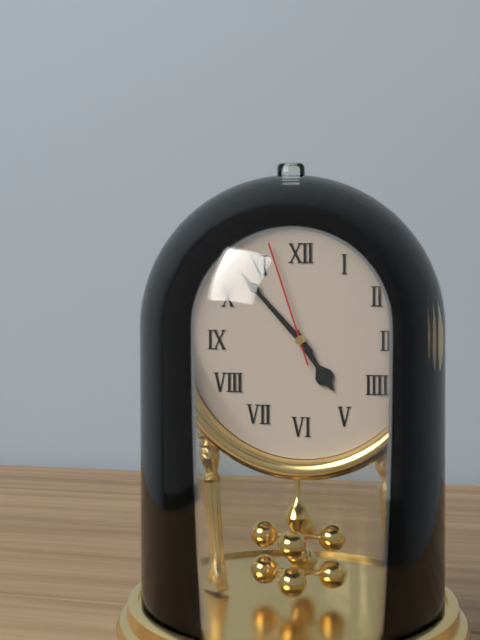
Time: {"hour": 4, "minute": 53, "second": 57}
